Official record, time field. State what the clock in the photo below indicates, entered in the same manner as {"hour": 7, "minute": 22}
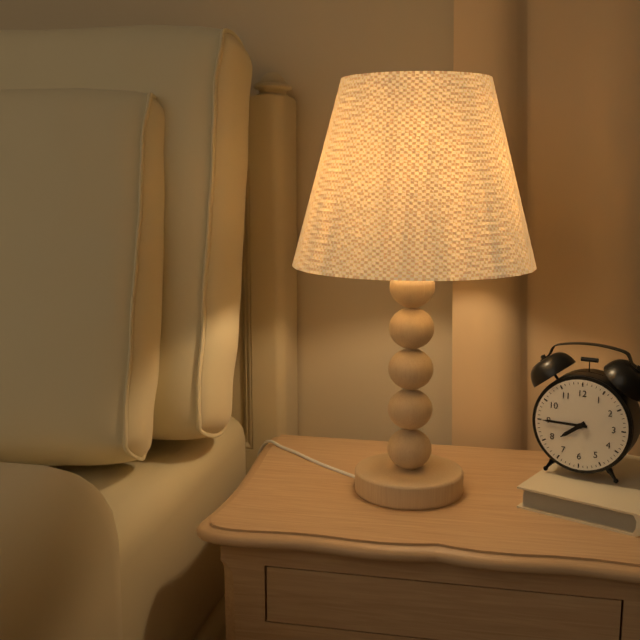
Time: {"hour": 7, "minute": 45}
